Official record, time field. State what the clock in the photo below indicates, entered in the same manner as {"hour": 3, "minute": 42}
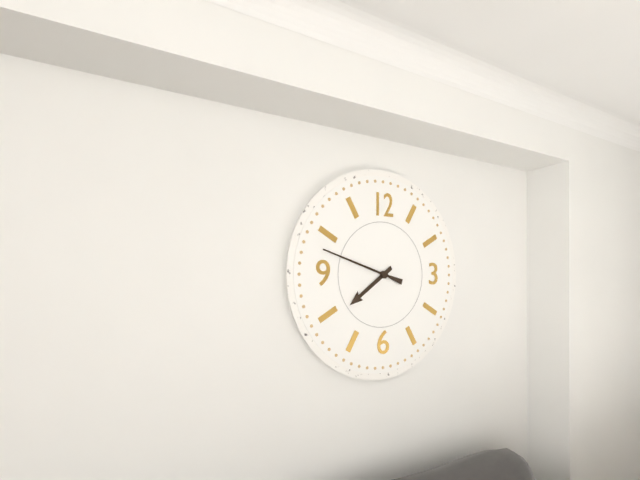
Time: {"hour": 7, "minute": 48}
